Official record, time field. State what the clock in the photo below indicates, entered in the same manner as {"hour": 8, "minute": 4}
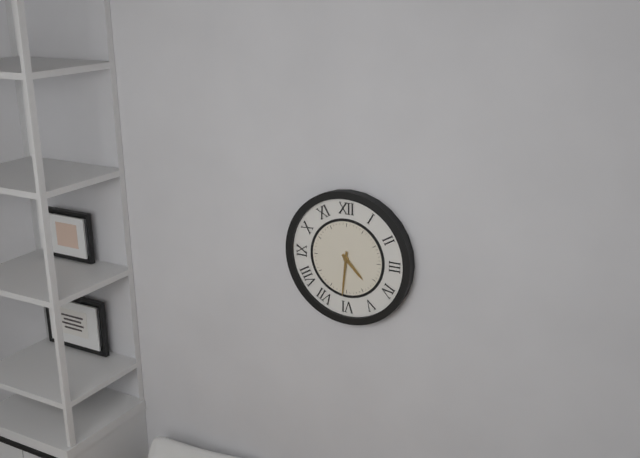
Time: {"hour": 4, "minute": 31}
